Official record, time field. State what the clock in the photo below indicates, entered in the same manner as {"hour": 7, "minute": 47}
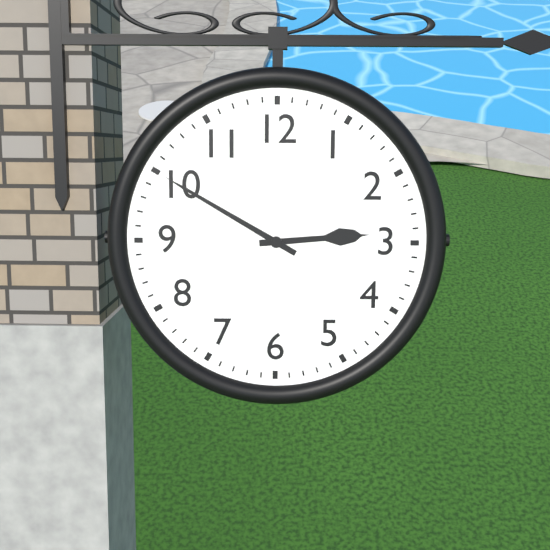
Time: {"hour": 2, "minute": 50}
